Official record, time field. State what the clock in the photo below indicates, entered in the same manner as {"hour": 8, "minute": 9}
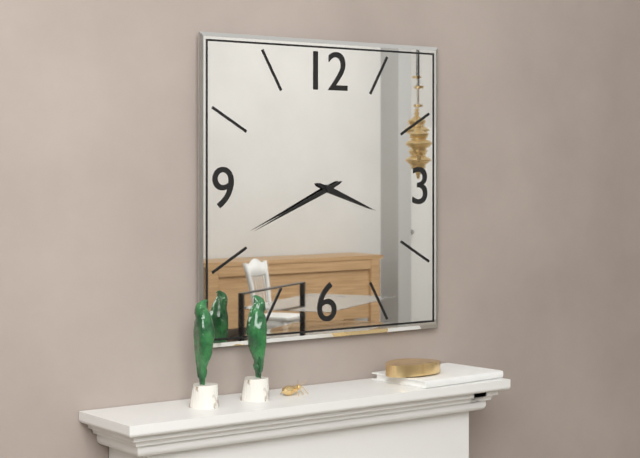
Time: {"hour": 3, "minute": 41}
